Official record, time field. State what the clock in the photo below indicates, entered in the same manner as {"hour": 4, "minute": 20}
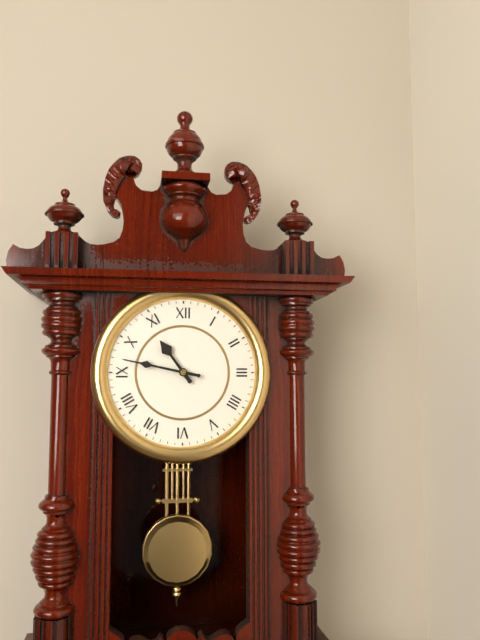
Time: {"hour": 10, "minute": 47}
